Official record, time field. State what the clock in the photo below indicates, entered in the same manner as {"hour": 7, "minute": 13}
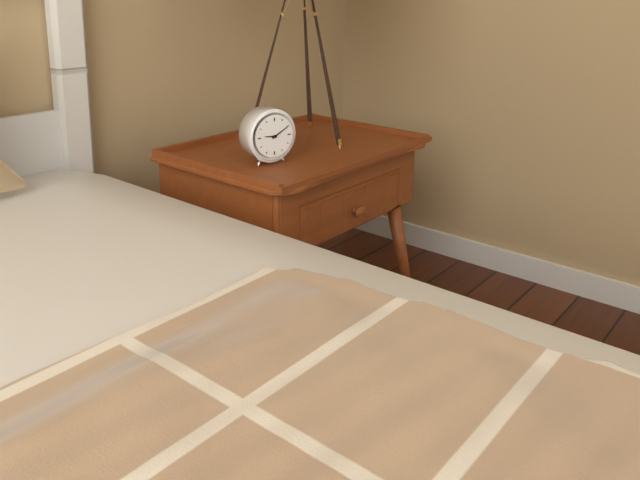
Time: {"hour": 9, "minute": 10}
